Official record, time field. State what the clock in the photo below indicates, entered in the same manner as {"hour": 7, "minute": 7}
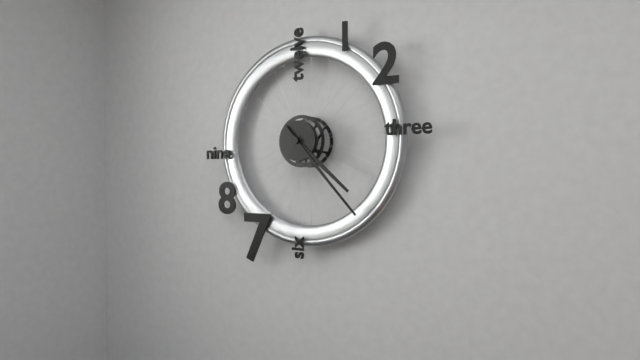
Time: {"hour": 4, "minute": 23}
